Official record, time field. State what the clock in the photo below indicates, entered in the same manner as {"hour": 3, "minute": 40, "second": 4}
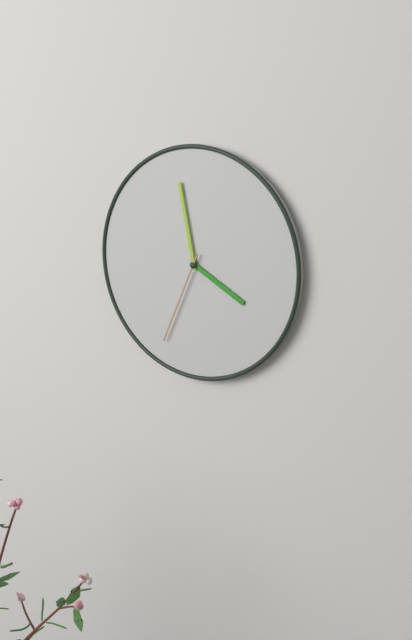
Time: {"hour": 3, "minute": 58, "second": 34}
